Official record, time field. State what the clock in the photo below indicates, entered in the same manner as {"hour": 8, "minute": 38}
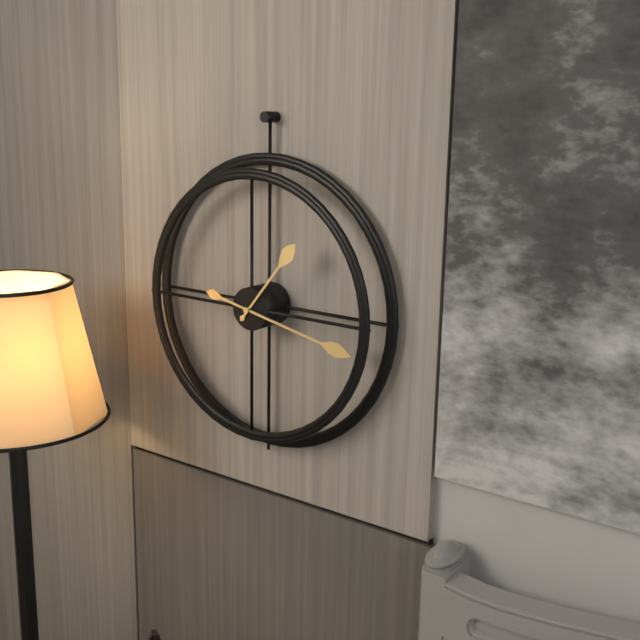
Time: {"hour": 1, "minute": 17}
